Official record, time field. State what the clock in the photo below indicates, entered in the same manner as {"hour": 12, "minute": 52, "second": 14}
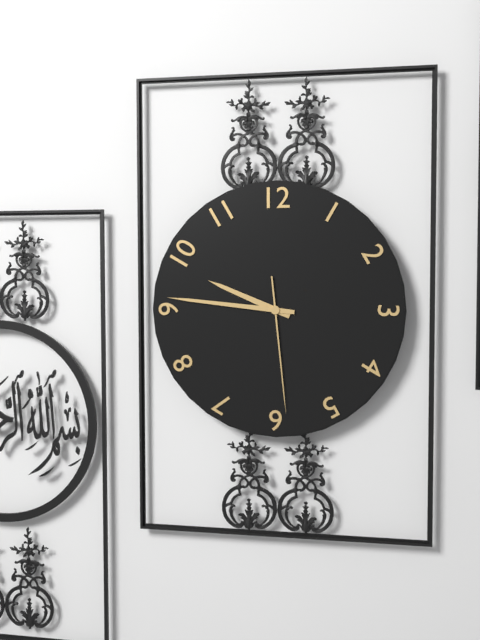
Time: {"hour": 9, "minute": 46, "second": 29}
